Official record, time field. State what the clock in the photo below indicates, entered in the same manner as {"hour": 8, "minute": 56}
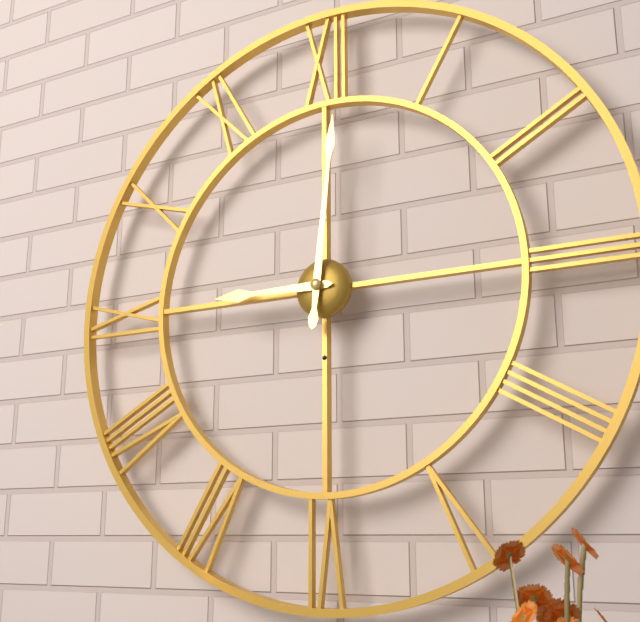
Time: {"hour": 9, "minute": 1}
